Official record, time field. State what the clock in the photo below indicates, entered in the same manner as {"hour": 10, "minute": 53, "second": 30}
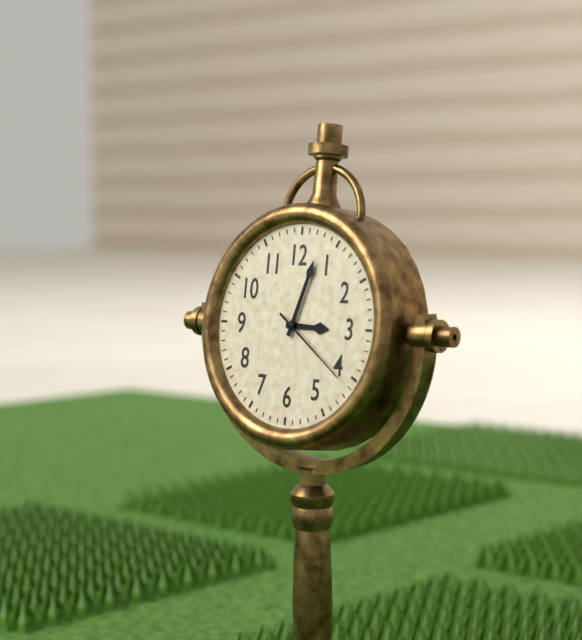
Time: {"hour": 3, "minute": 3, "second": 21}
